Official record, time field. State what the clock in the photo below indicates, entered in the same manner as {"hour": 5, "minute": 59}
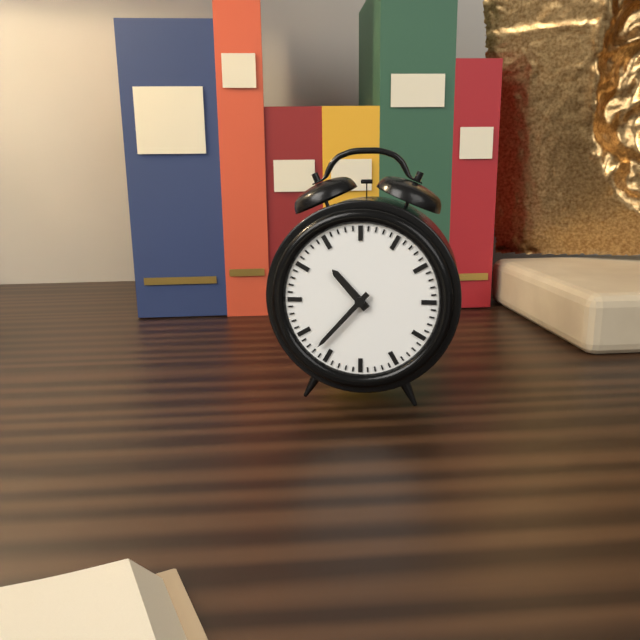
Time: {"hour": 10, "minute": 37}
